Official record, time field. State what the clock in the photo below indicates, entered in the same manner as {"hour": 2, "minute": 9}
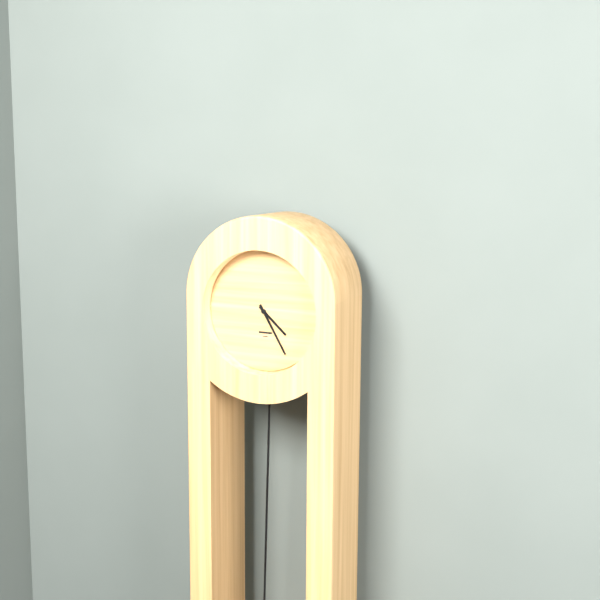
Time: {"hour": 4, "minute": 25}
